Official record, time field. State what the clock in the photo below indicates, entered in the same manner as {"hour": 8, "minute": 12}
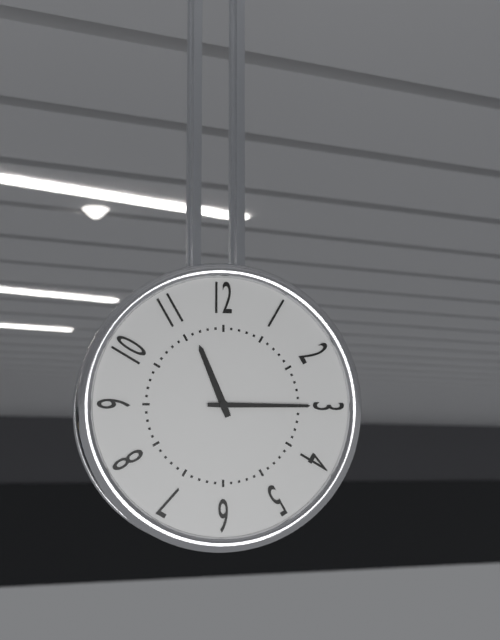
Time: {"hour": 11, "minute": 15}
